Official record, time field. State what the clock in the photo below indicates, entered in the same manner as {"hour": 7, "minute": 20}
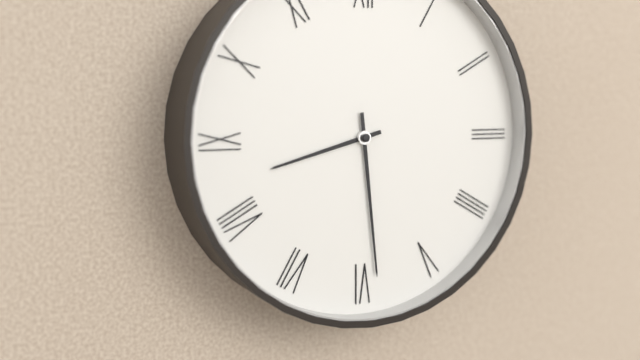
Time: {"hour": 8, "minute": 29}
